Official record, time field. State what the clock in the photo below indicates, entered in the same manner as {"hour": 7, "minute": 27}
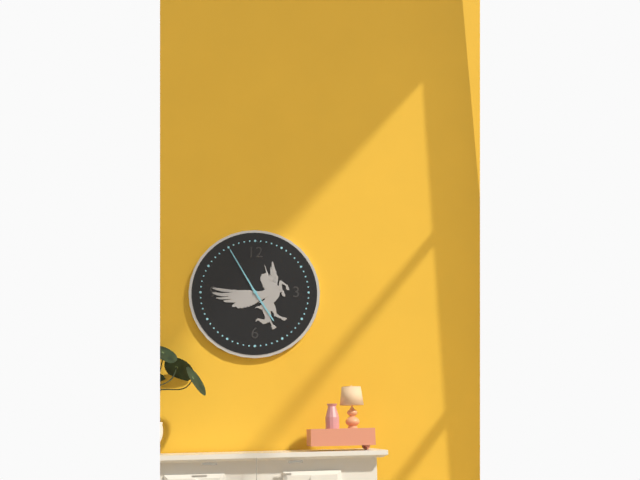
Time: {"hour": 4, "minute": 55}
